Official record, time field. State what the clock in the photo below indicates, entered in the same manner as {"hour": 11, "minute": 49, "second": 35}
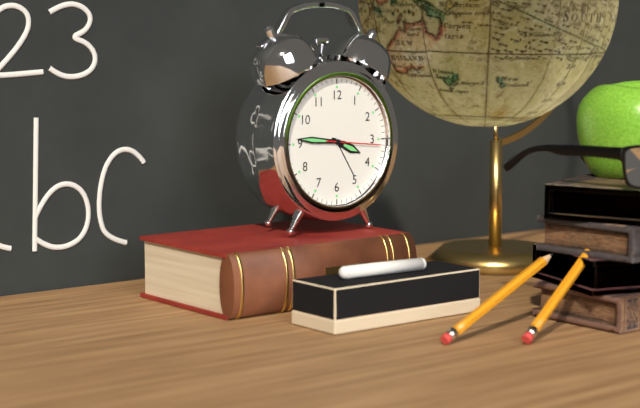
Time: {"hour": 3, "minute": 46, "second": 16}
